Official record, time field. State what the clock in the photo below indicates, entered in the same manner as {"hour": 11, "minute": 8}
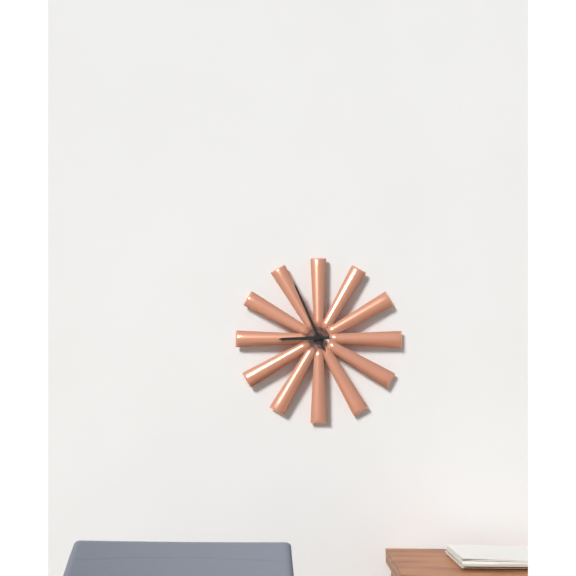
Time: {"hour": 8, "minute": 56}
